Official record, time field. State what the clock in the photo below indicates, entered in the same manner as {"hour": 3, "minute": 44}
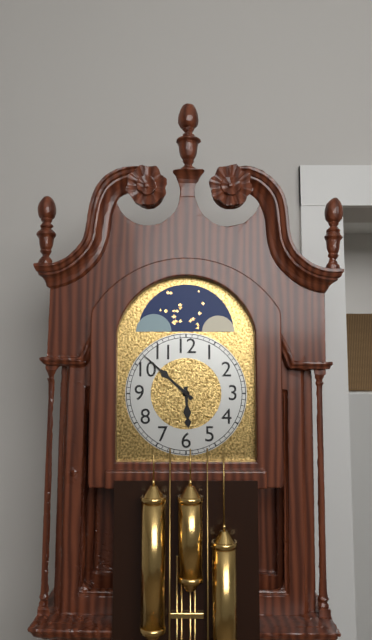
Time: {"hour": 5, "minute": 52}
